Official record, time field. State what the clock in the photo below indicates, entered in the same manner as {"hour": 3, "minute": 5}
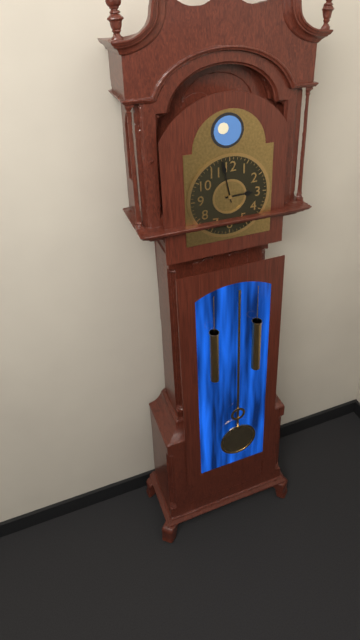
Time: {"hour": 2, "minute": 58}
